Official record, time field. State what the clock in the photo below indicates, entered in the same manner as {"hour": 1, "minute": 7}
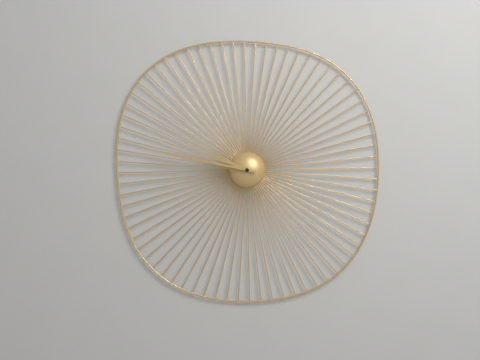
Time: {"hour": 9, "minute": 47}
